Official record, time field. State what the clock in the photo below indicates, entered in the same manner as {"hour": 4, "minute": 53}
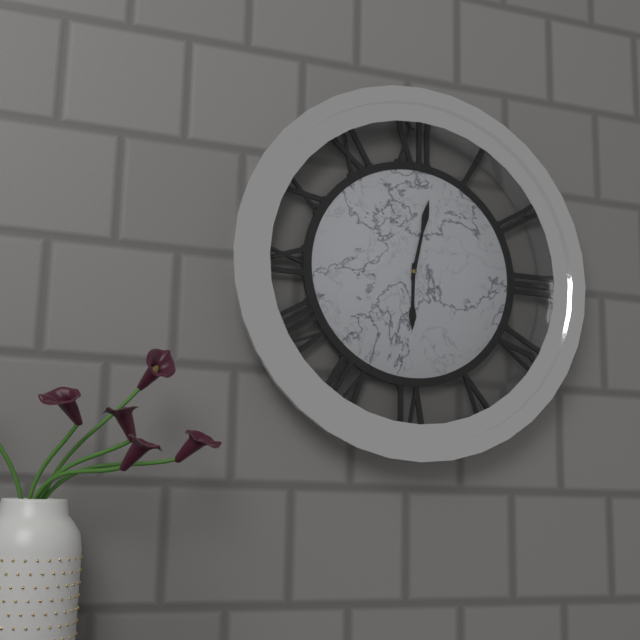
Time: {"hour": 6, "minute": 2}
